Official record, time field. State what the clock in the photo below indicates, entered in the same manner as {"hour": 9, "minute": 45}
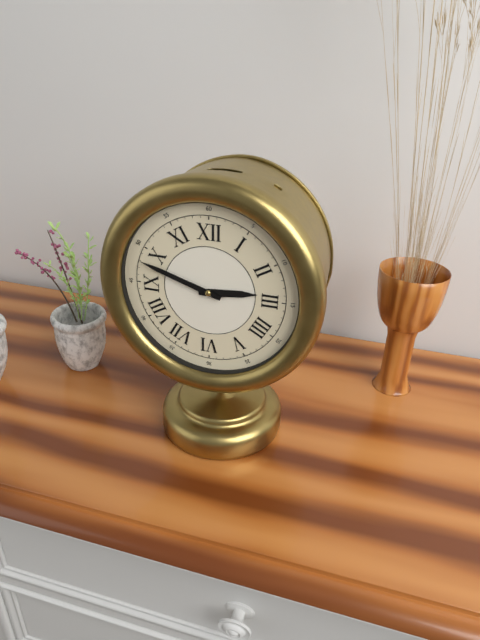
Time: {"hour": 2, "minute": 48}
